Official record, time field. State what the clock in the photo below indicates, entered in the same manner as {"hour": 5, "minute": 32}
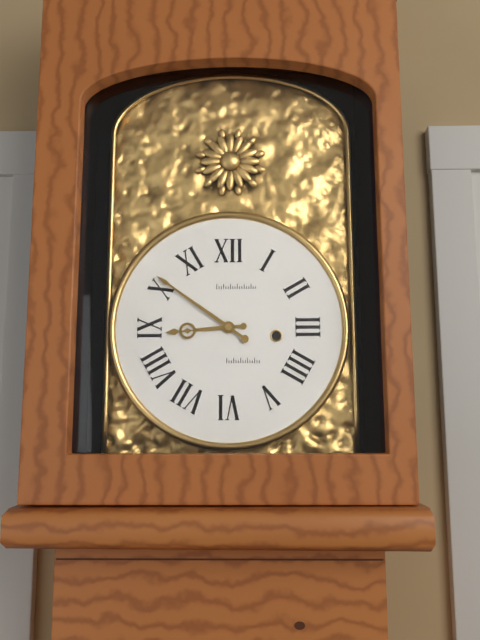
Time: {"hour": 8, "minute": 51}
